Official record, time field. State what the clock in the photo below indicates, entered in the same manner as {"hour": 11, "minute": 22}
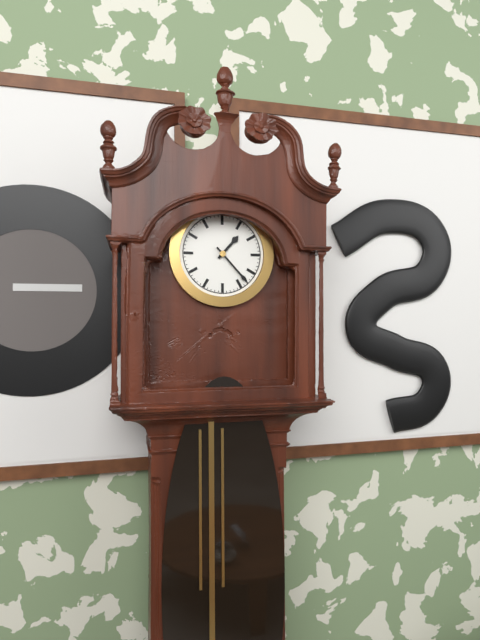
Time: {"hour": 1, "minute": 23}
